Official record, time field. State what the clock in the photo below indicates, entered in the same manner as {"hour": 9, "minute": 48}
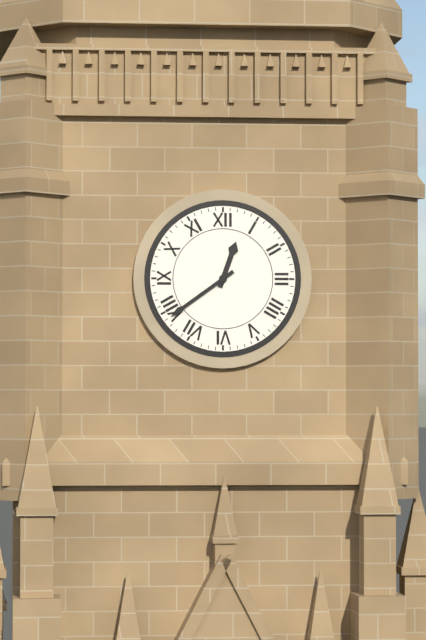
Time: {"hour": 12, "minute": 39}
